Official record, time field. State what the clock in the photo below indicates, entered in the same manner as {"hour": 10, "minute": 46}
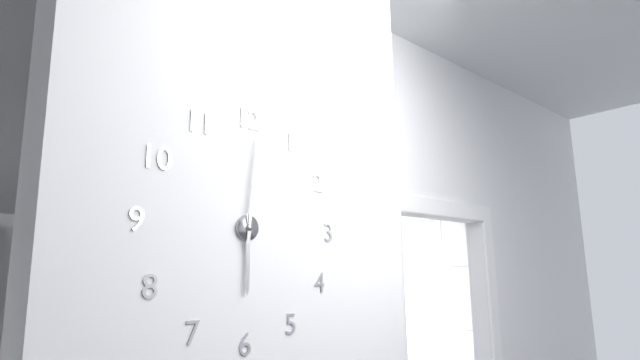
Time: {"hour": 6, "minute": 1}
